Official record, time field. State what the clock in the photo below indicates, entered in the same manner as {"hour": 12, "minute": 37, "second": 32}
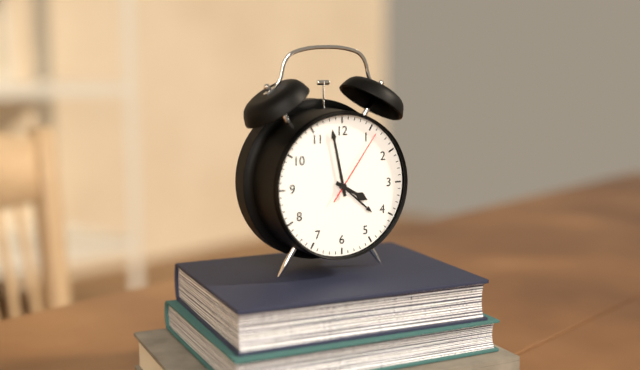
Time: {"hour": 3, "minute": 58, "second": 6}
